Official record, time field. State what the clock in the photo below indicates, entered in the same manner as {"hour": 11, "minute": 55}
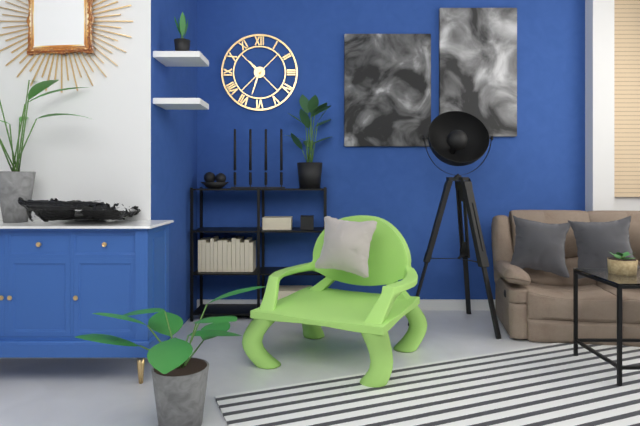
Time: {"hour": 10, "minute": 33}
